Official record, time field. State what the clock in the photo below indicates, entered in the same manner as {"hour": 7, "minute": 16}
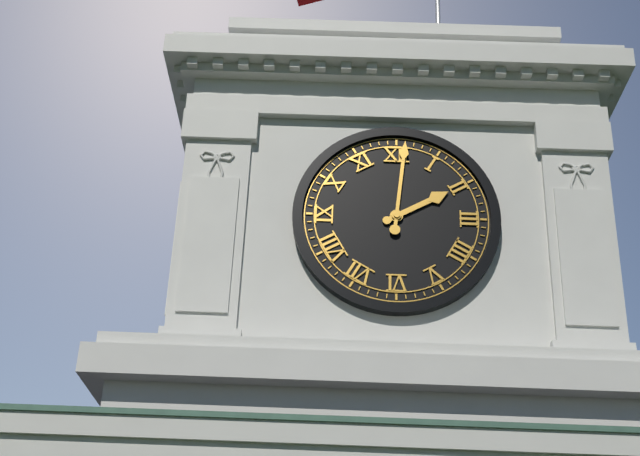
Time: {"hour": 2, "minute": 1}
